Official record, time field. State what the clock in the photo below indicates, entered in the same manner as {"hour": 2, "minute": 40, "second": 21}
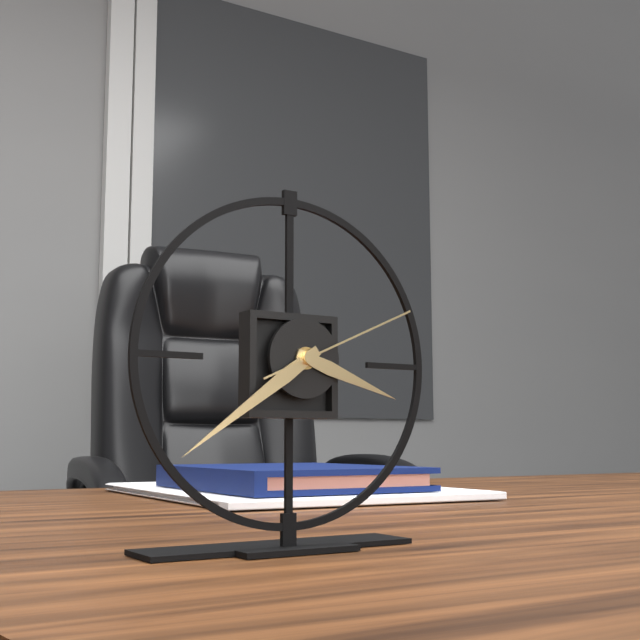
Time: {"hour": 3, "minute": 39, "second": 11}
